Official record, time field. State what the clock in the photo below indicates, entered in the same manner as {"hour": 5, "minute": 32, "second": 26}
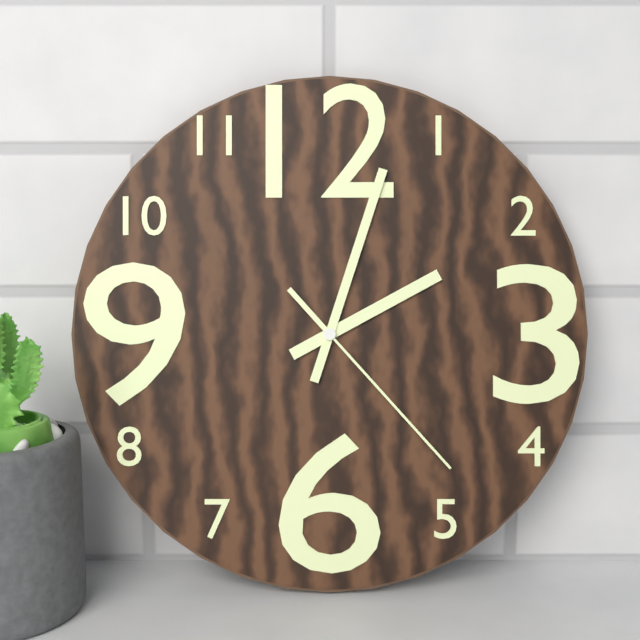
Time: {"hour": 2, "minute": 3, "second": 23}
